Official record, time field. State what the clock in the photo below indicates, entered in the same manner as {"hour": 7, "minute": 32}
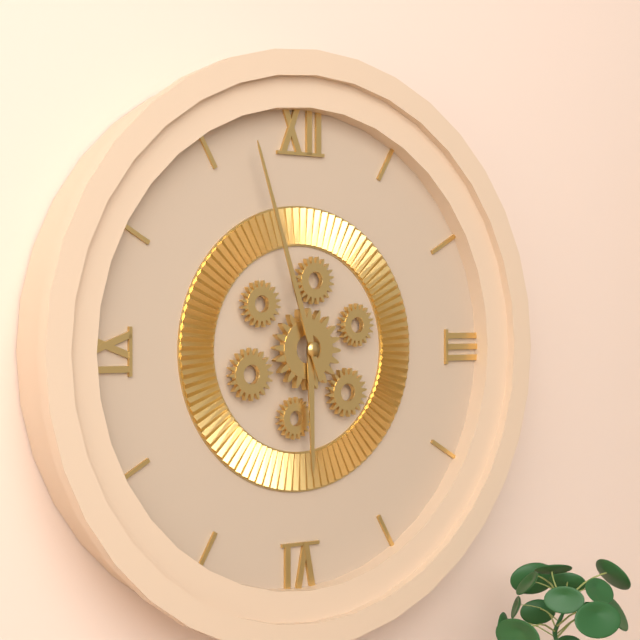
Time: {"hour": 5, "minute": 57}
